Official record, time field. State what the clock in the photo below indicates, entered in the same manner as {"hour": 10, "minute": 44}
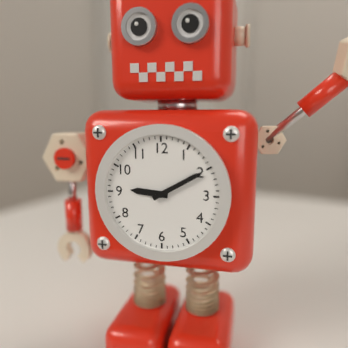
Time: {"hour": 9, "minute": 10}
